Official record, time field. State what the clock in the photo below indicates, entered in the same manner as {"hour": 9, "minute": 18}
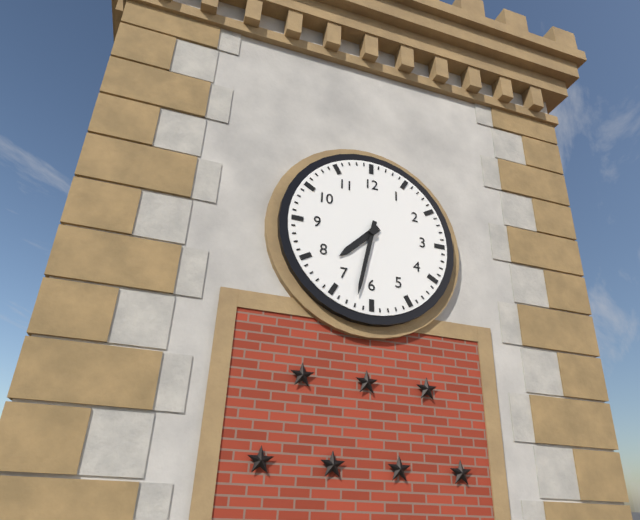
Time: {"hour": 7, "minute": 32}
